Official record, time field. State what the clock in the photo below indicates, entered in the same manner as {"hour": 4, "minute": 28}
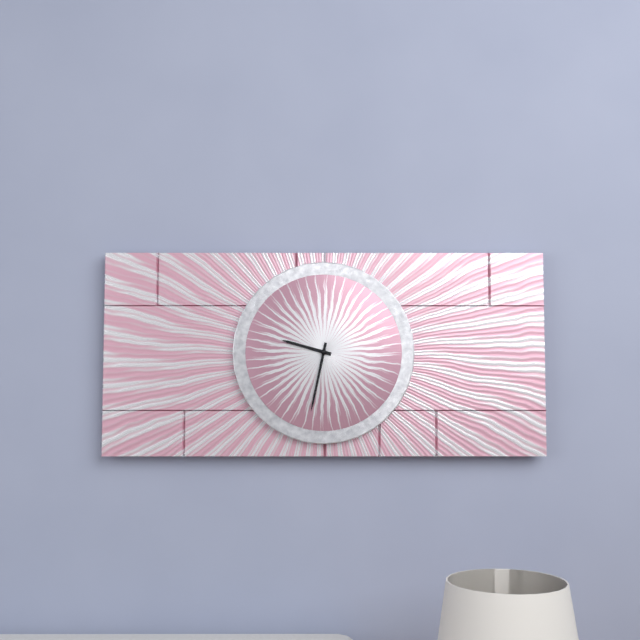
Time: {"hour": 9, "minute": 32}
